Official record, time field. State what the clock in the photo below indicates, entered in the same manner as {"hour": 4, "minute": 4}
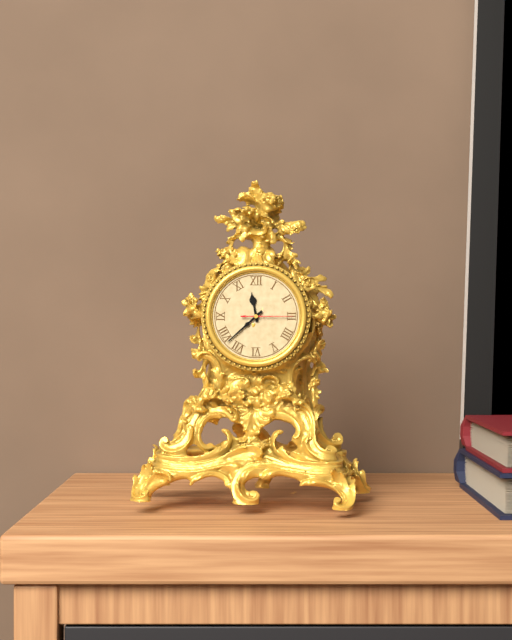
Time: {"hour": 11, "minute": 38}
